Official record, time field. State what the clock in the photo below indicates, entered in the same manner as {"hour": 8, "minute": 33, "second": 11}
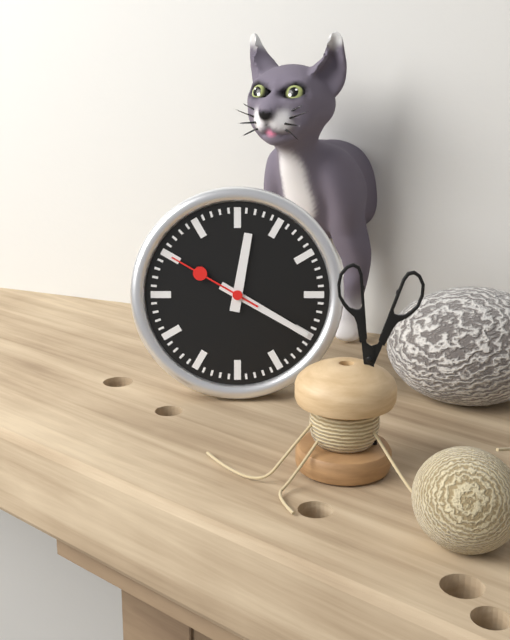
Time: {"hour": 12, "minute": 20, "second": 50}
